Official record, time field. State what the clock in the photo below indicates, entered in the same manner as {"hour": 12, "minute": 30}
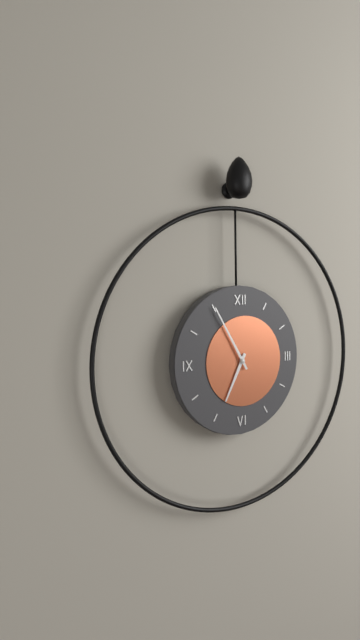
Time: {"hour": 6, "minute": 55}
